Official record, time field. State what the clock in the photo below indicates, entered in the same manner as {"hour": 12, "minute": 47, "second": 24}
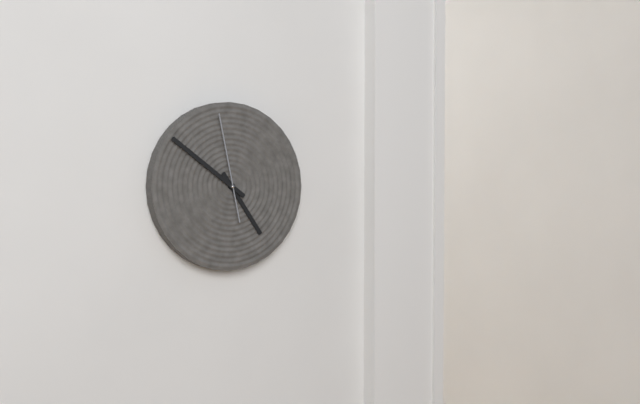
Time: {"hour": 4, "minute": 51, "second": 58}
